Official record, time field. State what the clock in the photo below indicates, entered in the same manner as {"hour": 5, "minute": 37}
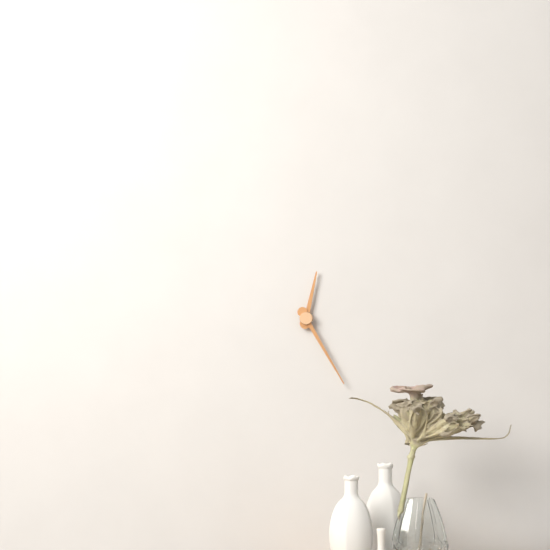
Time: {"hour": 12, "minute": 25}
